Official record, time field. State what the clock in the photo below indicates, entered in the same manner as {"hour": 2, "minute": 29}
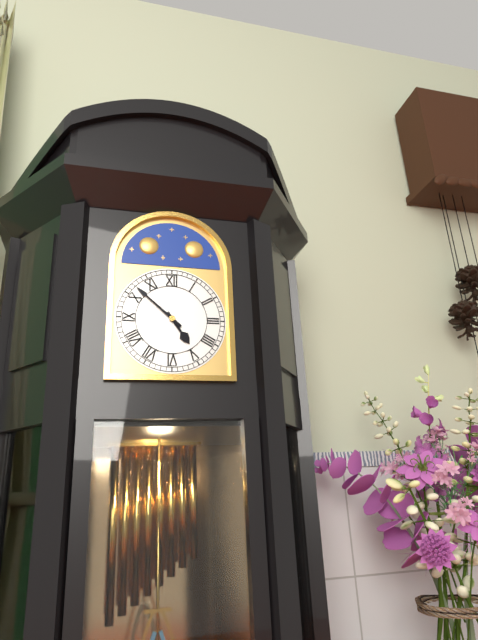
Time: {"hour": 4, "minute": 52}
